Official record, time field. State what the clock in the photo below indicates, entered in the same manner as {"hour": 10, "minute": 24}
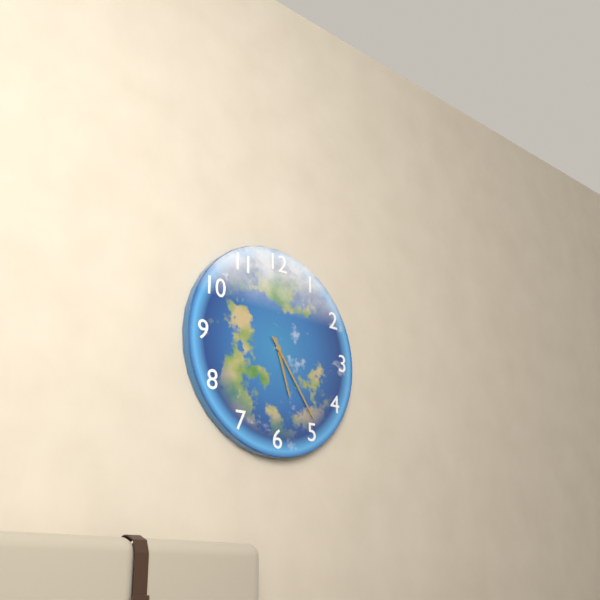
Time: {"hour": 5, "minute": 24}
